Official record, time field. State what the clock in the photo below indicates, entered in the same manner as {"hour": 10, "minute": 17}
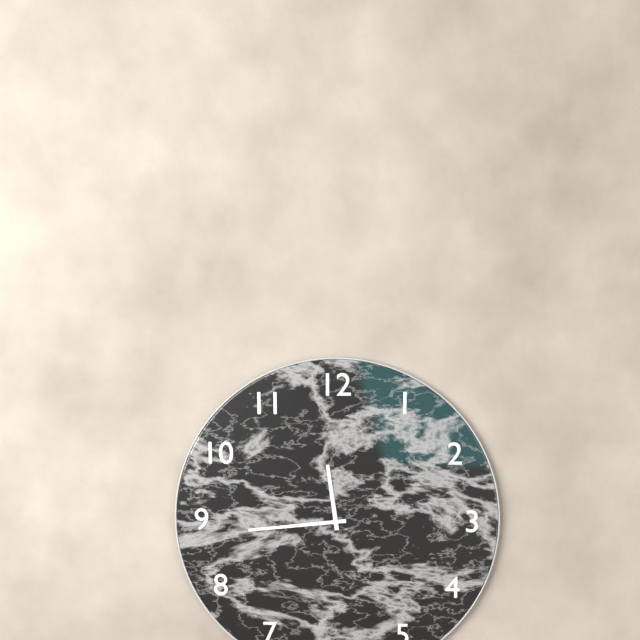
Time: {"hour": 11, "minute": 44}
